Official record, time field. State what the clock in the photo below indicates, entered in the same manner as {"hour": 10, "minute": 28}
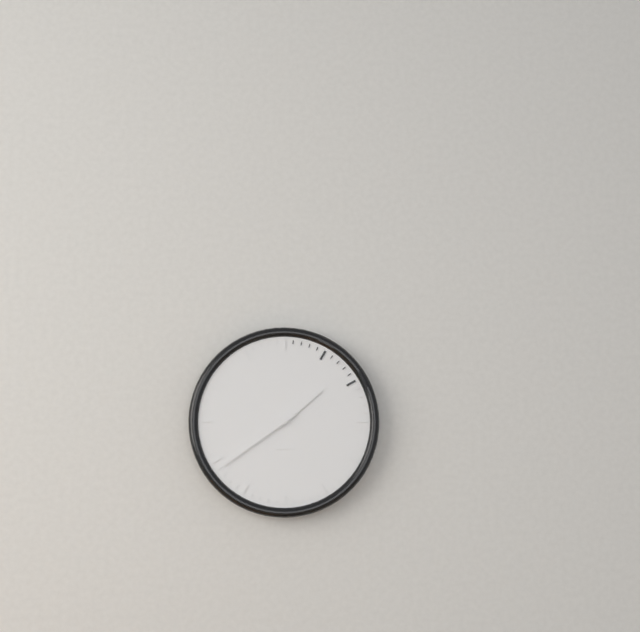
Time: {"hour": 1, "minute": 39}
